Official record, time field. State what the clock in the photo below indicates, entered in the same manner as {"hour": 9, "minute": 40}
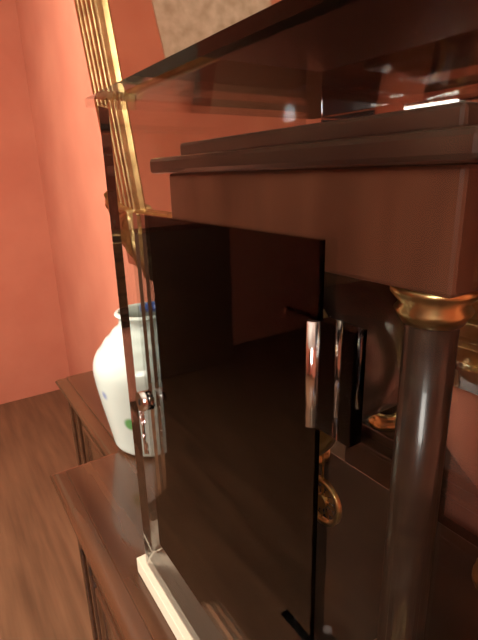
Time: {"hour": 1, "minute": 31}
